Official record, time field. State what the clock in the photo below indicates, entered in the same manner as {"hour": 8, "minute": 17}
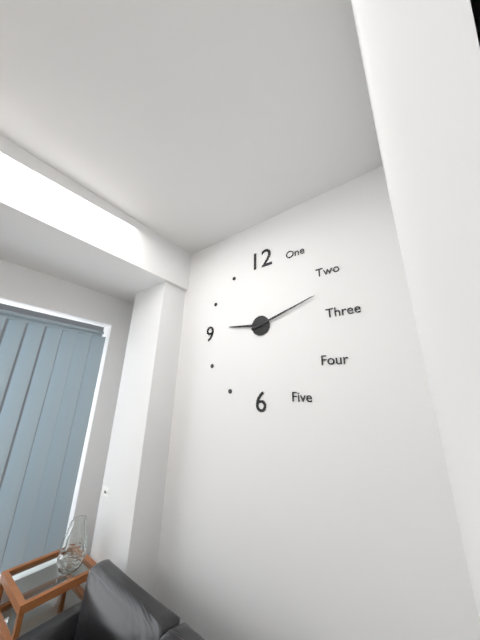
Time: {"hour": 9, "minute": 12}
